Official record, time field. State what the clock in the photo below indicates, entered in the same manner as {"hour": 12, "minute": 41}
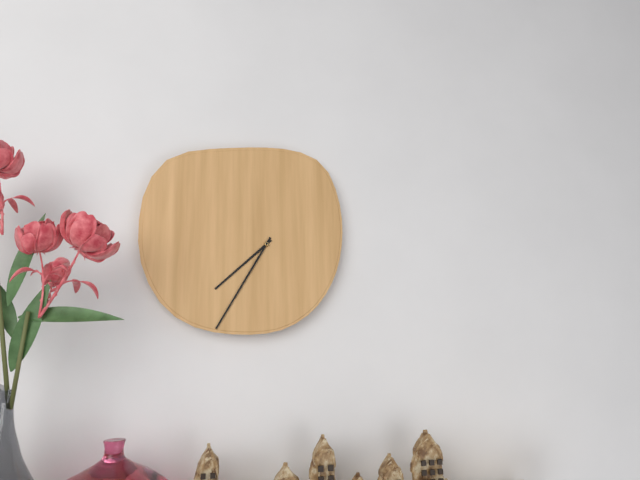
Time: {"hour": 7, "minute": 35}
